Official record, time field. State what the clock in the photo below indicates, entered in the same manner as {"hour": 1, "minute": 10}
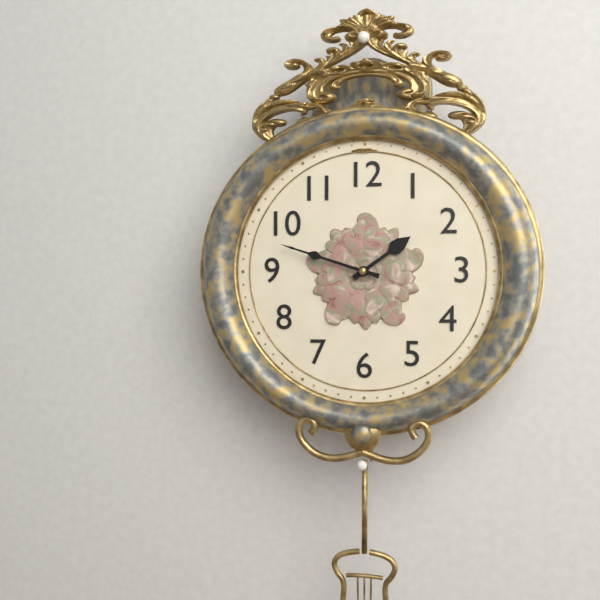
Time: {"hour": 1, "minute": 48}
